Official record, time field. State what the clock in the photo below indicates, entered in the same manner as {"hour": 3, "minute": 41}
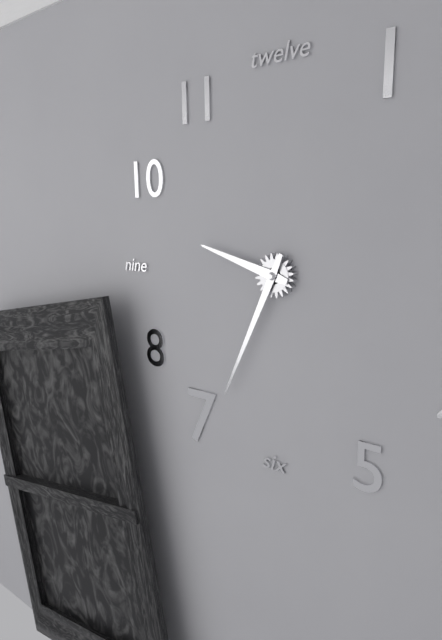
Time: {"hour": 9, "minute": 34}
